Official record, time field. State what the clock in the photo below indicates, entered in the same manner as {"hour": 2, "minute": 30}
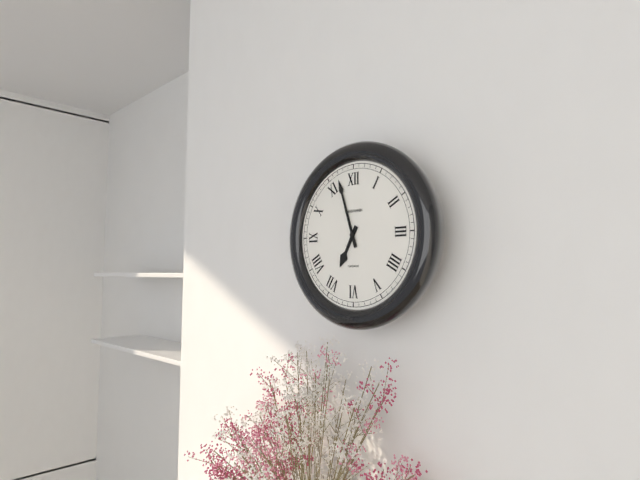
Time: {"hour": 6, "minute": 57}
